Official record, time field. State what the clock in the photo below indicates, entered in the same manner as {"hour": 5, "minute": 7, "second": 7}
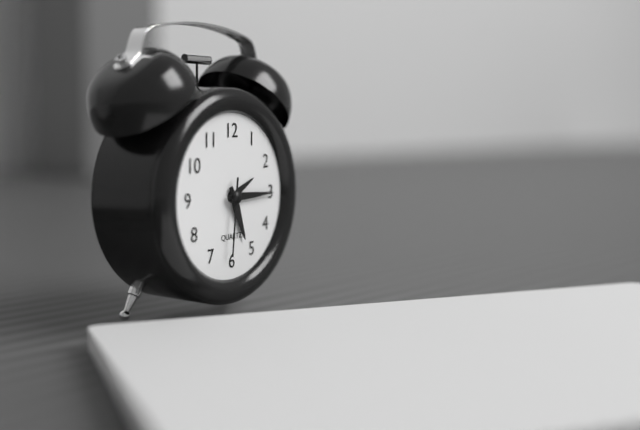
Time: {"hour": 5, "minute": 15, "second": 31}
